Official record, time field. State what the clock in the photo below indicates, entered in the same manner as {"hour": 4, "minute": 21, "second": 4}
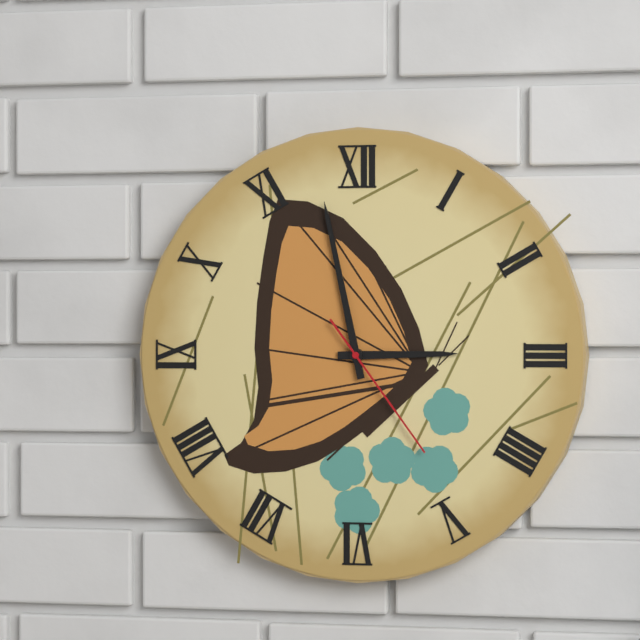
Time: {"hour": 2, "minute": 58, "second": 24}
